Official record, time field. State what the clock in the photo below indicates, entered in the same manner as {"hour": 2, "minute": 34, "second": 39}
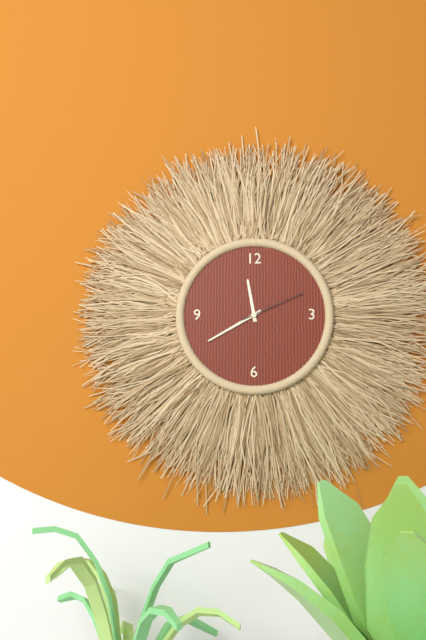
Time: {"hour": 11, "minute": 40, "second": 11}
